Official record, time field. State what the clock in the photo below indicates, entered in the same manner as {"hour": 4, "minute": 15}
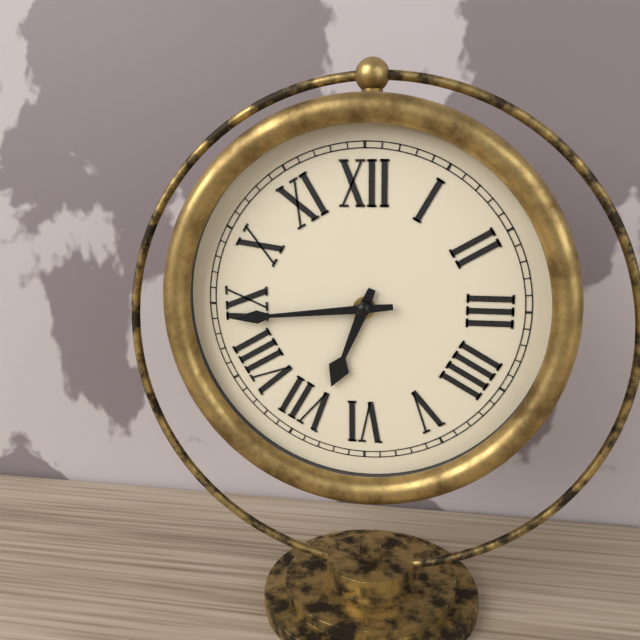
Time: {"hour": 6, "minute": 44}
